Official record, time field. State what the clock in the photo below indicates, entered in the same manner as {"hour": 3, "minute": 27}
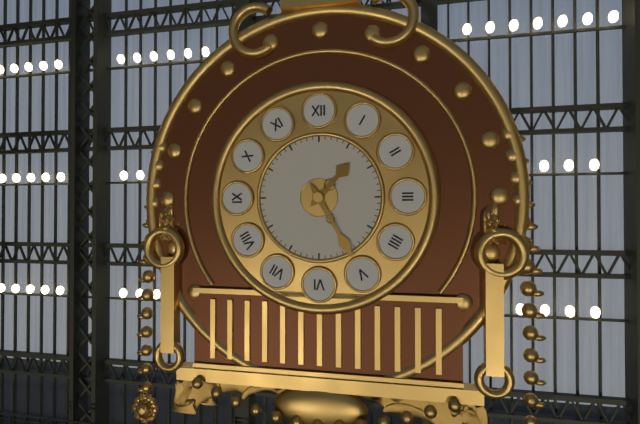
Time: {"hour": 1, "minute": 25}
